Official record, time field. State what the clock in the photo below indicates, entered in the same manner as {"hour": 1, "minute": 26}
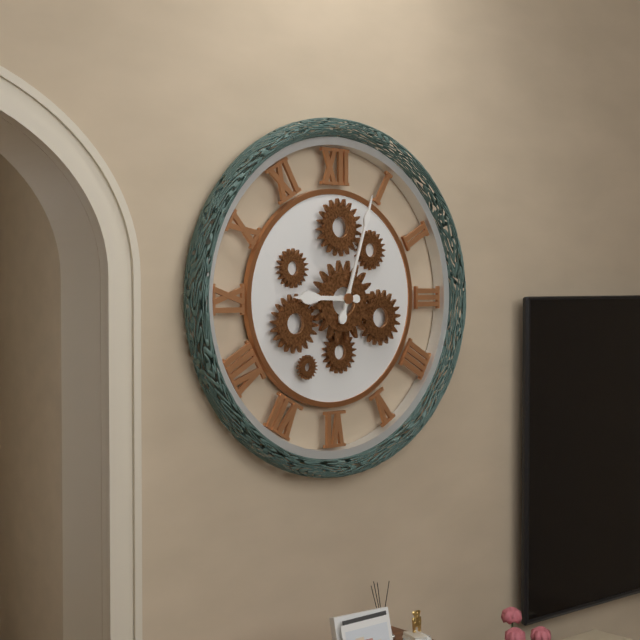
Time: {"hour": 9, "minute": 3}
